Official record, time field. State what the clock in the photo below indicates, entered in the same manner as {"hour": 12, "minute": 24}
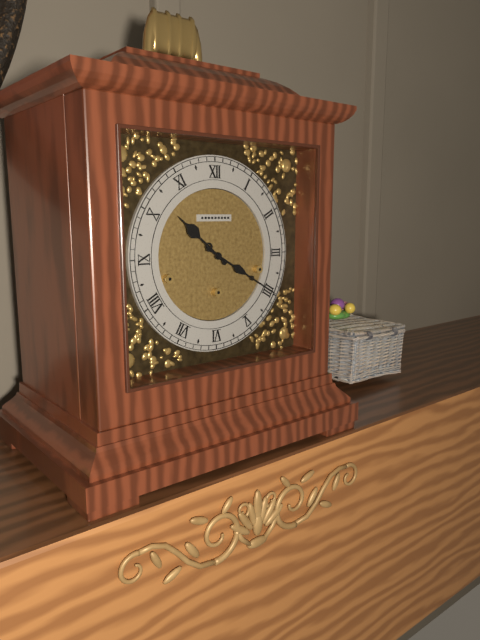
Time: {"hour": 10, "minute": 20}
